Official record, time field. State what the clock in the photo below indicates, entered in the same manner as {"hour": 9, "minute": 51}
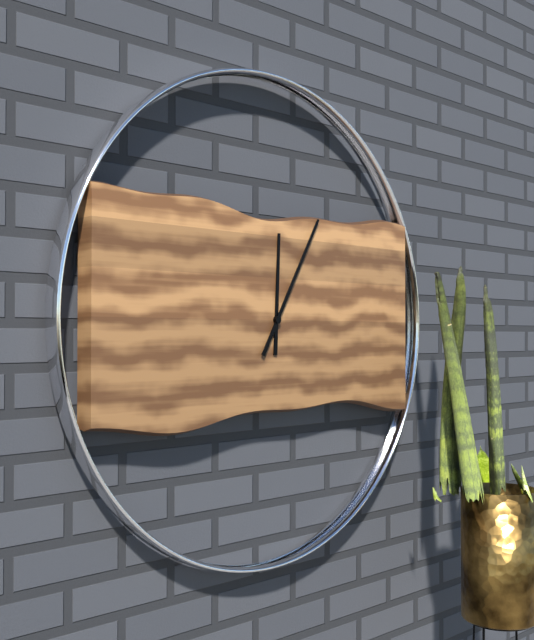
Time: {"hour": 12, "minute": 5}
